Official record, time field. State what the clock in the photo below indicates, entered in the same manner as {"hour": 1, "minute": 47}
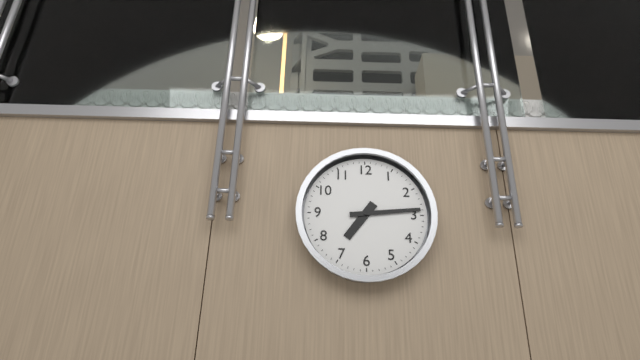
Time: {"hour": 7, "minute": 14}
